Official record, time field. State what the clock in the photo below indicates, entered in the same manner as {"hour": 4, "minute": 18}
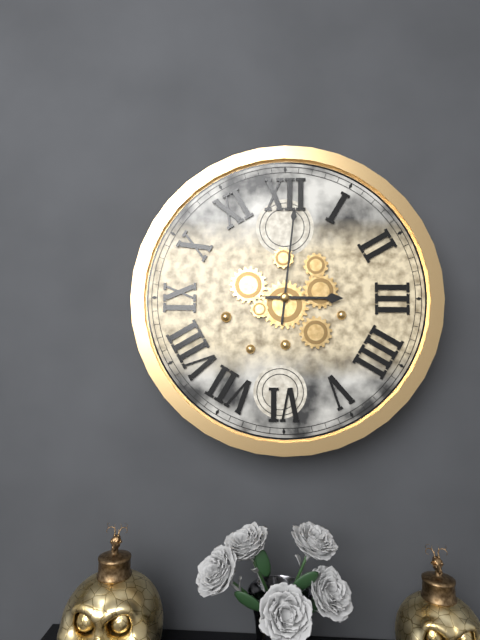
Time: {"hour": 3, "minute": 1}
